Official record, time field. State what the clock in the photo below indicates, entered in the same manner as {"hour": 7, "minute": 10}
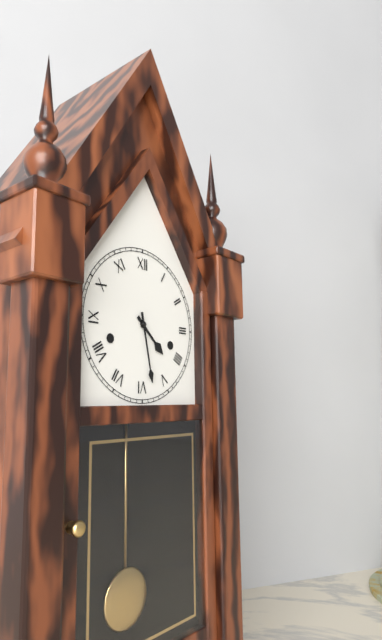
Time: {"hour": 4, "minute": 28}
